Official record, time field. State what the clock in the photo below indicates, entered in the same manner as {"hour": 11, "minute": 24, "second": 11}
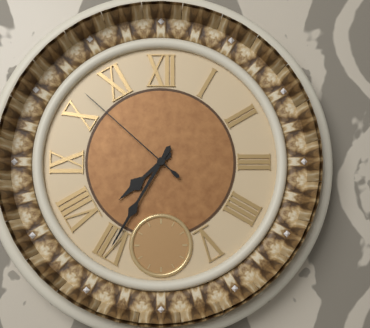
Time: {"hour": 7, "minute": 35, "second": 52}
